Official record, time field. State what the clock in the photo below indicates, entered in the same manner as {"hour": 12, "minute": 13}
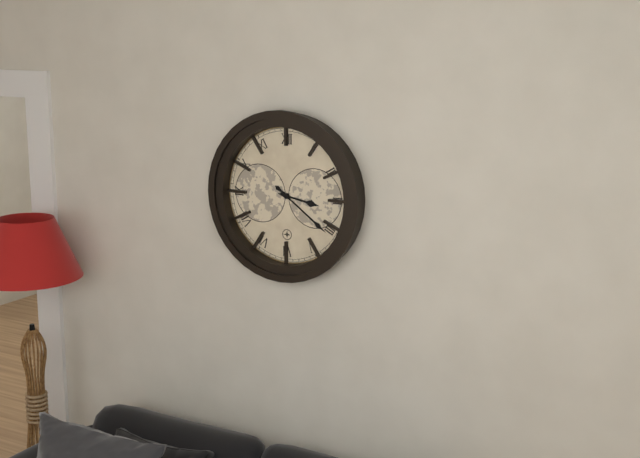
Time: {"hour": 3, "minute": 21}
